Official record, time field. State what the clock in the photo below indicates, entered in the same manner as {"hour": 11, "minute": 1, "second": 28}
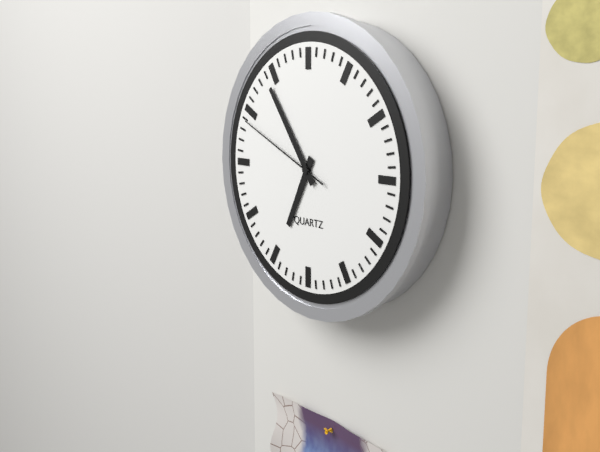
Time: {"hour": 6, "minute": 54, "second": 49}
